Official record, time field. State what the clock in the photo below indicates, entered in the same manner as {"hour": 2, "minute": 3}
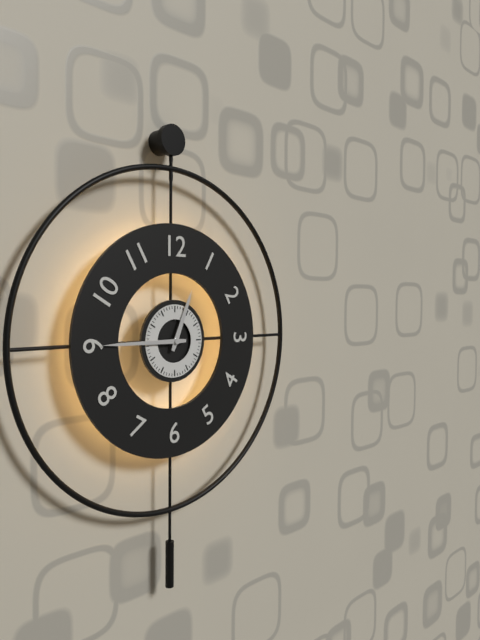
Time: {"hour": 12, "minute": 45}
